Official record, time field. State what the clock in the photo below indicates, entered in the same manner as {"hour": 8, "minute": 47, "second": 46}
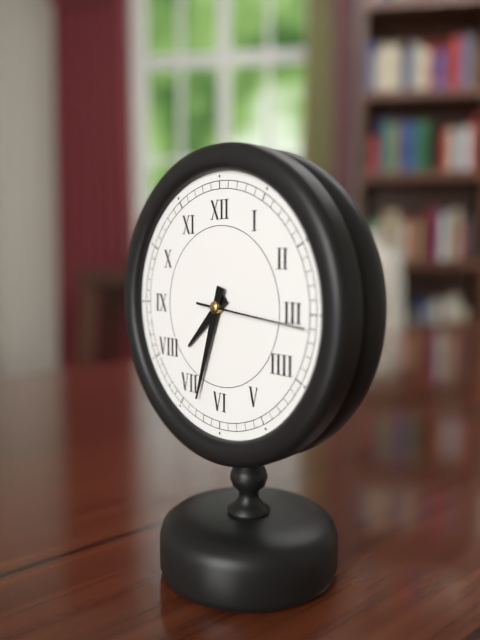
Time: {"hour": 7, "minute": 33, "second": 16}
